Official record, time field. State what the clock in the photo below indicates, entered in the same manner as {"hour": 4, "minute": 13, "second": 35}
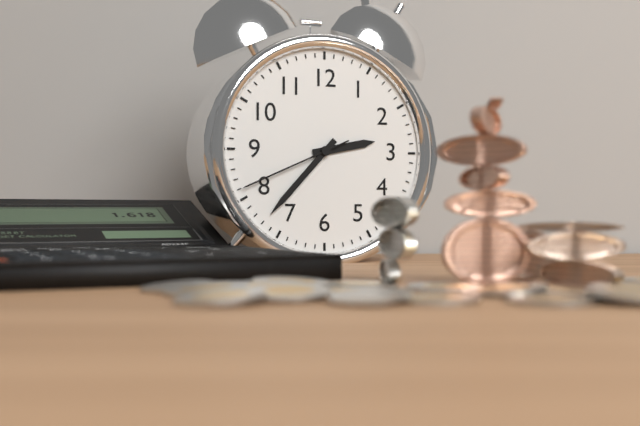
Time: {"hour": 2, "minute": 37, "second": 41}
